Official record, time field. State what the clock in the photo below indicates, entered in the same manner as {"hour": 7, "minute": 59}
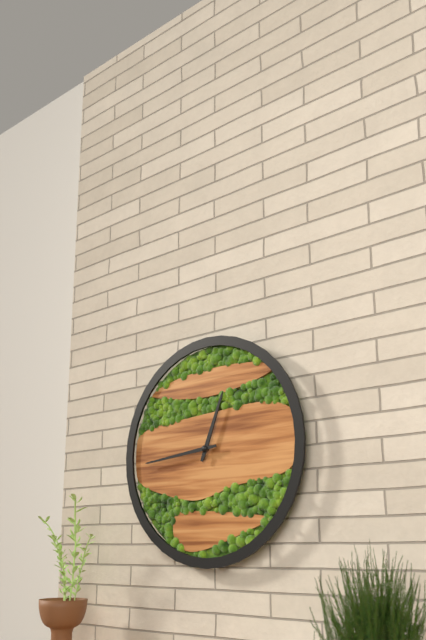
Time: {"hour": 12, "minute": 44}
